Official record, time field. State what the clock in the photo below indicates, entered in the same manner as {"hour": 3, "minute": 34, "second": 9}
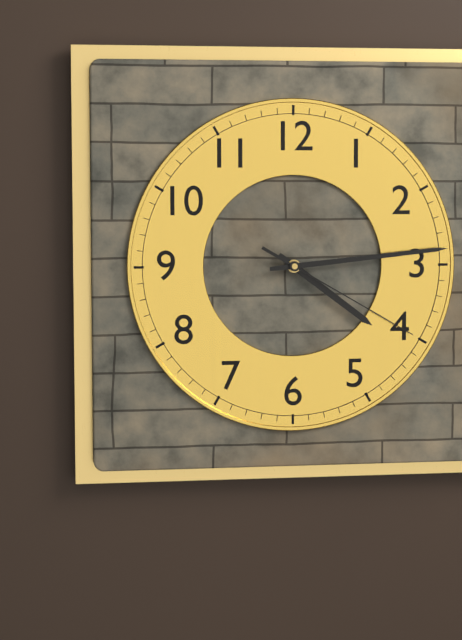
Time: {"hour": 4, "minute": 14, "second": 20}
